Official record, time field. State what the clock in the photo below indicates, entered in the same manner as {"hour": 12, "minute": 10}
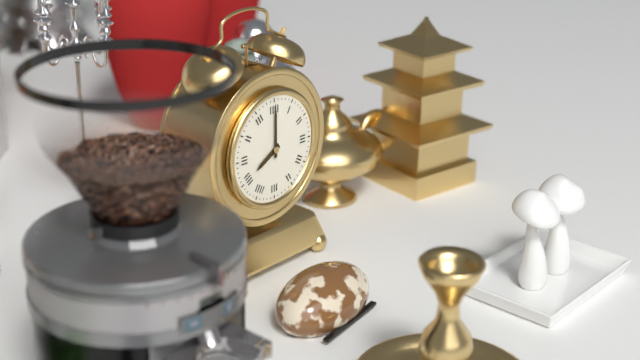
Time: {"hour": 8, "minute": 0}
